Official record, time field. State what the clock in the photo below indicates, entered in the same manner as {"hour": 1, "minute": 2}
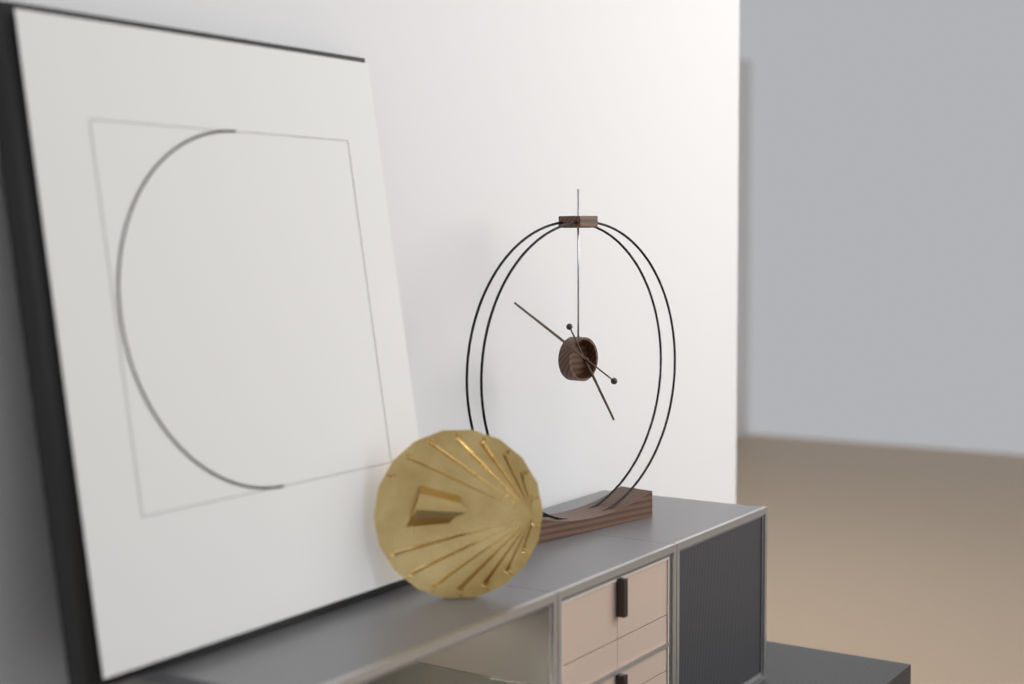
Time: {"hour": 4, "minute": 50}
